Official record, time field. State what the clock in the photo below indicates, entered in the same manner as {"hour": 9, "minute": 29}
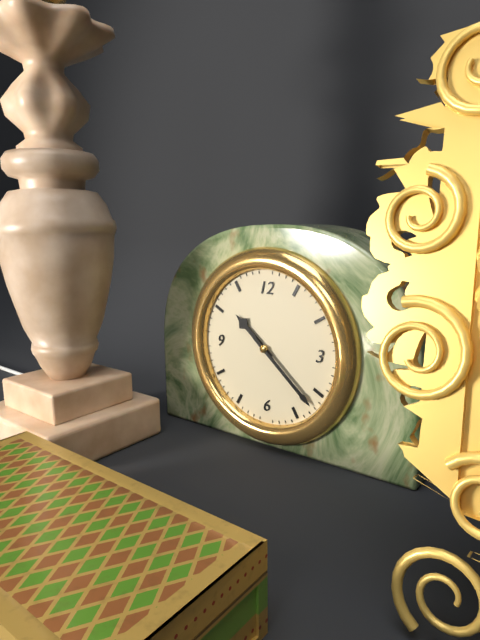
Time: {"hour": 10, "minute": 22}
